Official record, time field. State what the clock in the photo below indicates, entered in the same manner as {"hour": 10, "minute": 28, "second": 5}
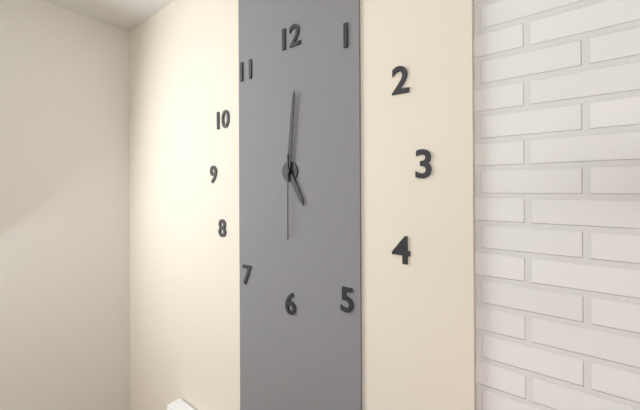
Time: {"hour": 5, "minute": 1, "second": 30}
